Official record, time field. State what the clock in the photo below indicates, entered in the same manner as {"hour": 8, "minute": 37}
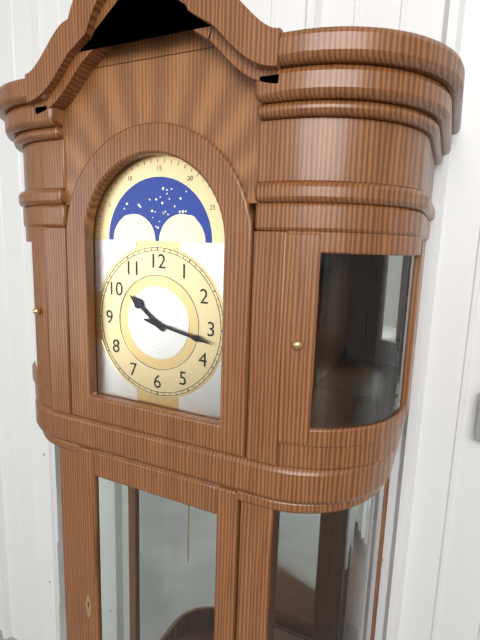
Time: {"hour": 10, "minute": 17}
